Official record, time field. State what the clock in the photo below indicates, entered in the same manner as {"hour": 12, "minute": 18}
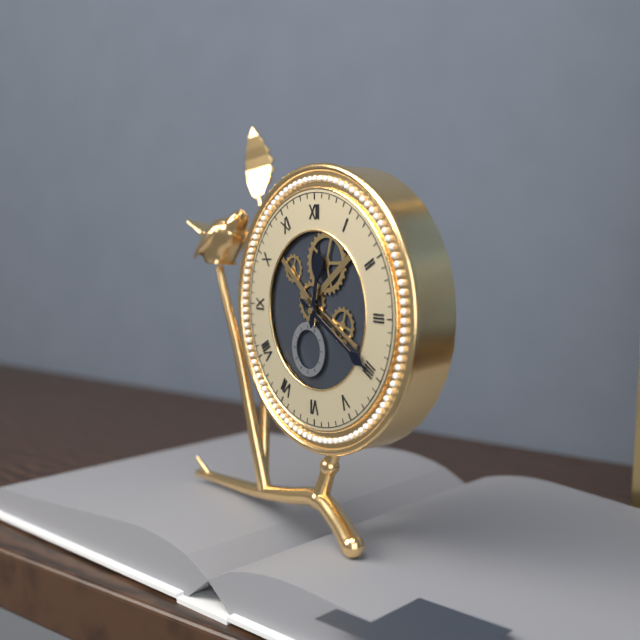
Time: {"hour": 12, "minute": 20}
